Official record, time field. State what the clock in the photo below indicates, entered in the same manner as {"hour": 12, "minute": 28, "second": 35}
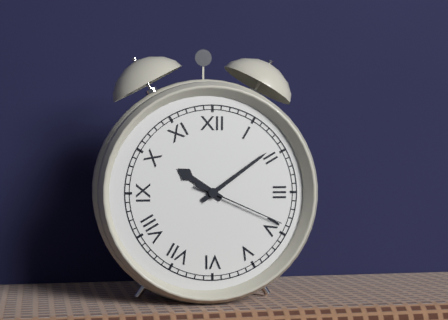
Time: {"hour": 10, "minute": 9, "second": 19}
